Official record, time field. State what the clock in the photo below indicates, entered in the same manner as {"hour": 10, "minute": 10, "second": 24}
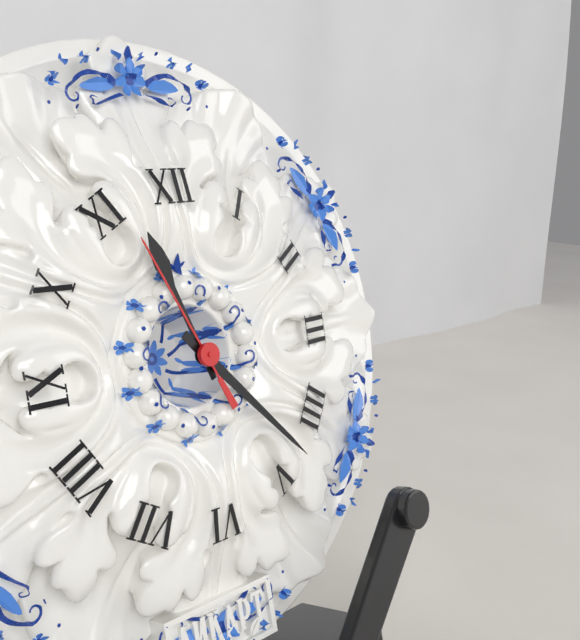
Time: {"hour": 11, "minute": 23, "second": 56}
